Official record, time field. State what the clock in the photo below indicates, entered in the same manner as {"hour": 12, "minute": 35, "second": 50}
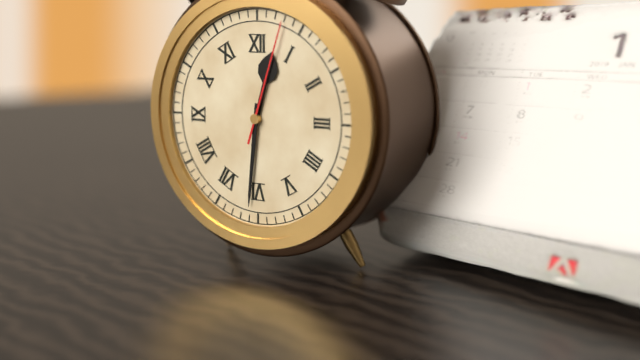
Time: {"hour": 12, "minute": 31, "second": 3}
